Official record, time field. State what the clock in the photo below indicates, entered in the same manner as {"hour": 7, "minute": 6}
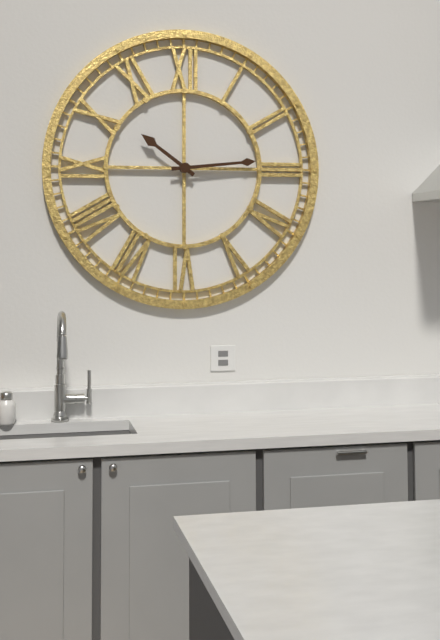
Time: {"hour": 10, "minute": 14}
